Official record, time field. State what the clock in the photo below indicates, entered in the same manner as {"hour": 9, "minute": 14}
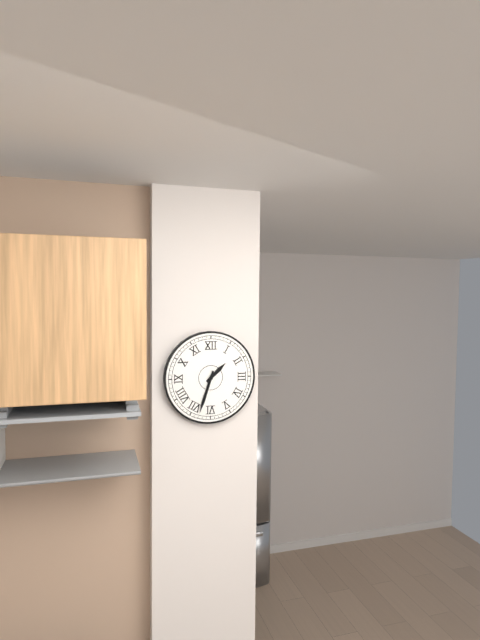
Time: {"hour": 1, "minute": 33}
